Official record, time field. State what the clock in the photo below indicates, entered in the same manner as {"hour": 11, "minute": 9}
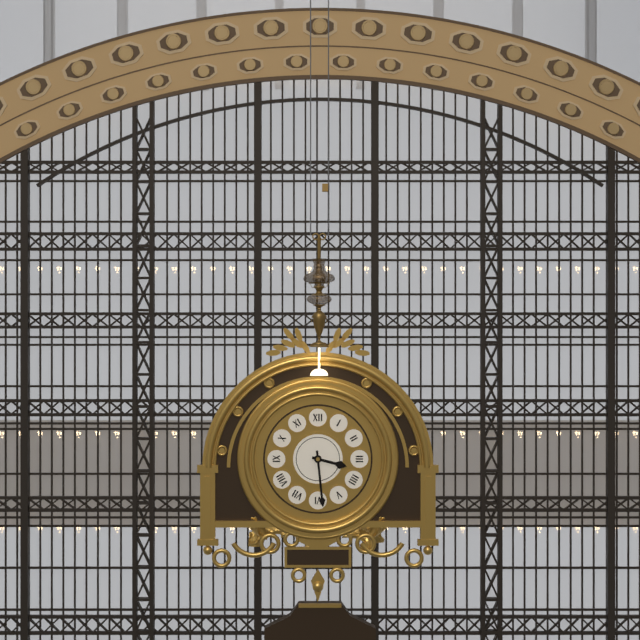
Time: {"hour": 3, "minute": 29}
